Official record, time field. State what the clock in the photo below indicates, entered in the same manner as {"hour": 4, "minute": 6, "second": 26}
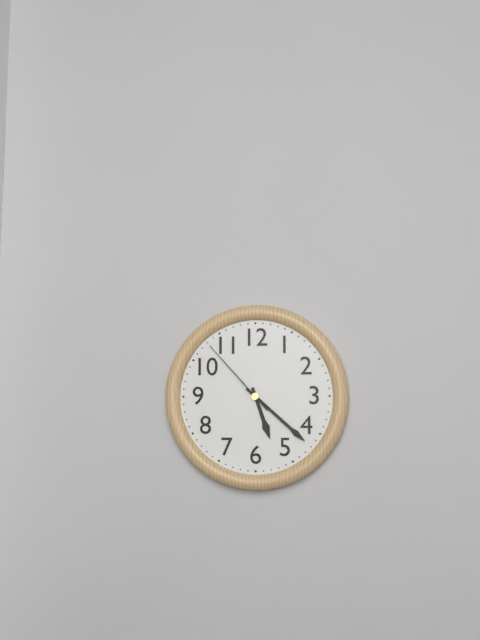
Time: {"hour": 5, "minute": 22, "second": 53}
